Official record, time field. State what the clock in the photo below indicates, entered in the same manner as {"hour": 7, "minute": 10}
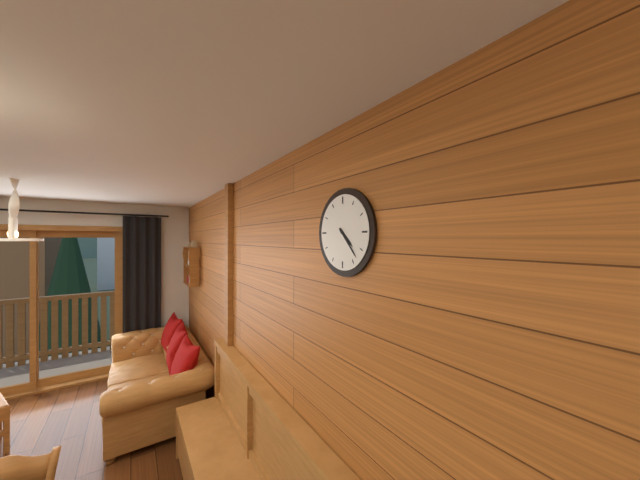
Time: {"hour": 4, "minute": 23}
